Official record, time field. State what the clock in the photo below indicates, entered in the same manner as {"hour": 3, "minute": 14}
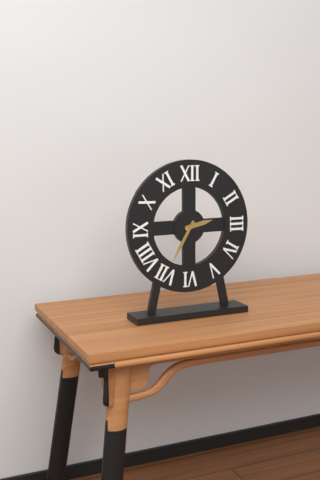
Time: {"hour": 2, "minute": 35}
